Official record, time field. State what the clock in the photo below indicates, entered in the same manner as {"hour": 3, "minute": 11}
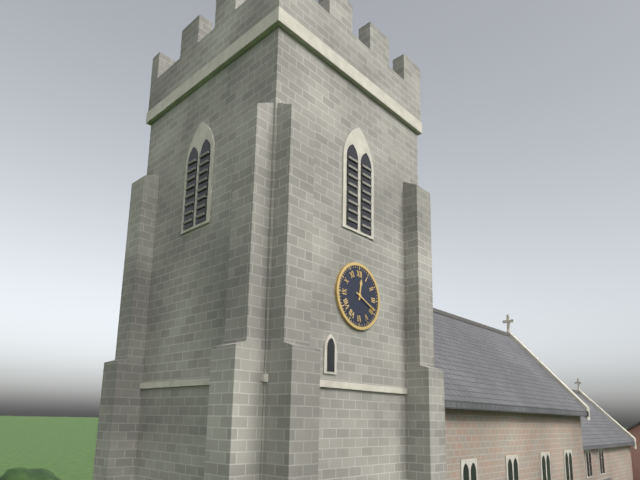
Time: {"hour": 12, "minute": 19}
